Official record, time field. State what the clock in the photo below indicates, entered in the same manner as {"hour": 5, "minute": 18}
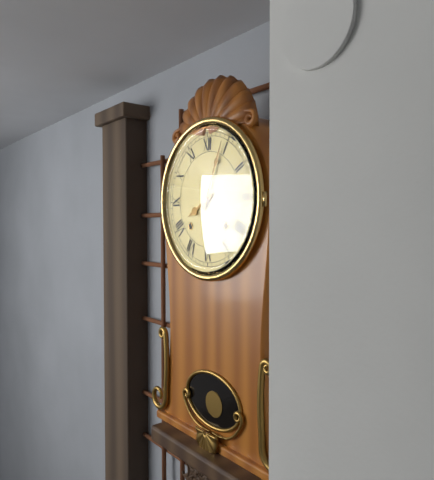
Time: {"hour": 8, "minute": 4}
